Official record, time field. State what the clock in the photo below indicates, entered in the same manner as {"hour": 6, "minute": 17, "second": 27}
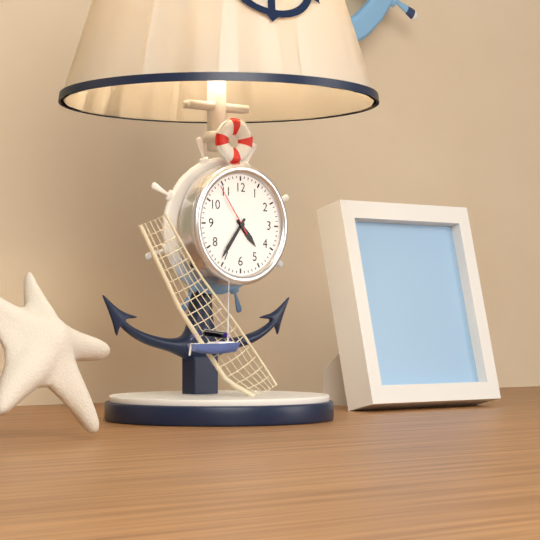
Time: {"hour": 4, "minute": 36, "second": 54}
